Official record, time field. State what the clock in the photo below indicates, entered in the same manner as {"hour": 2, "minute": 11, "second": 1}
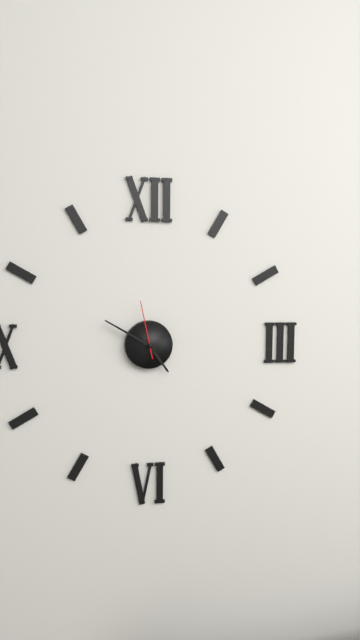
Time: {"hour": 4, "minute": 50, "second": 58}
